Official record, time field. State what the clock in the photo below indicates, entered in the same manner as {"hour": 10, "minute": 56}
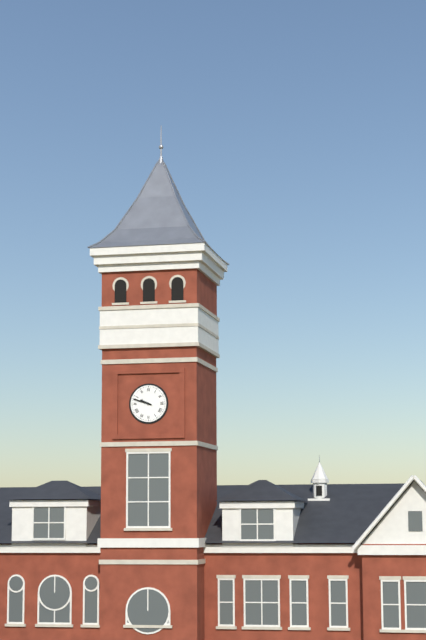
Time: {"hour": 9, "minute": 48}
